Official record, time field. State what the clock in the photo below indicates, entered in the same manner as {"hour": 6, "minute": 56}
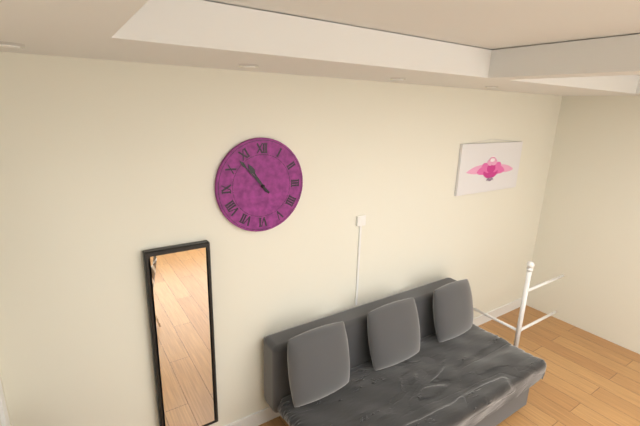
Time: {"hour": 10, "minute": 53}
